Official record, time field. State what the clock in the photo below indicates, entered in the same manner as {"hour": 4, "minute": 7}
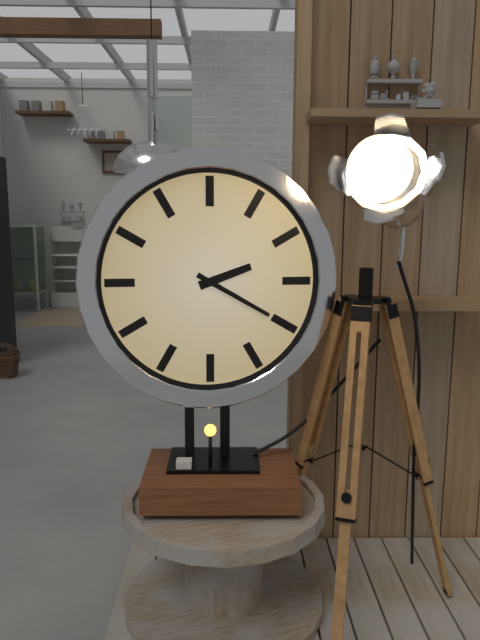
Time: {"hour": 2, "minute": 20}
